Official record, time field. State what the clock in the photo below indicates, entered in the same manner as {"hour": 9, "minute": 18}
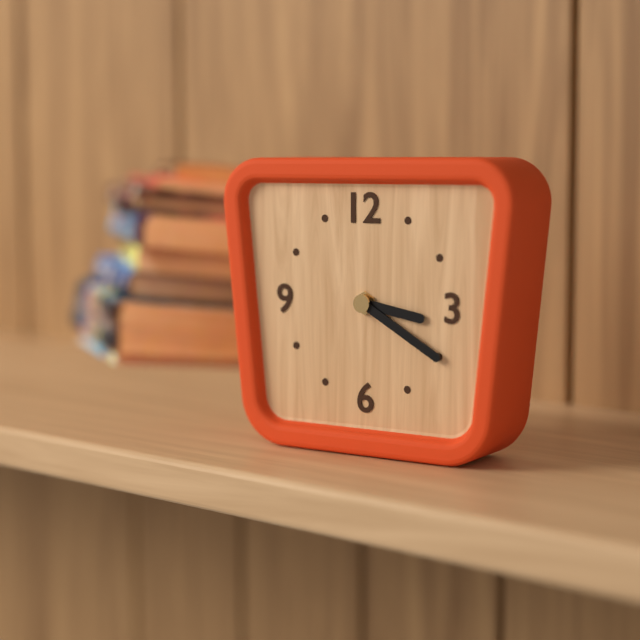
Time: {"hour": 3, "minute": 20}
